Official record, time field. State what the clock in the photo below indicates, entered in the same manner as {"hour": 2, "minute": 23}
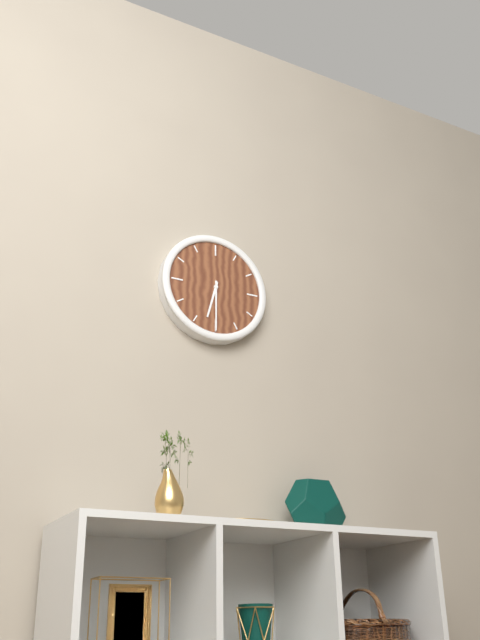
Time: {"hour": 6, "minute": 30}
